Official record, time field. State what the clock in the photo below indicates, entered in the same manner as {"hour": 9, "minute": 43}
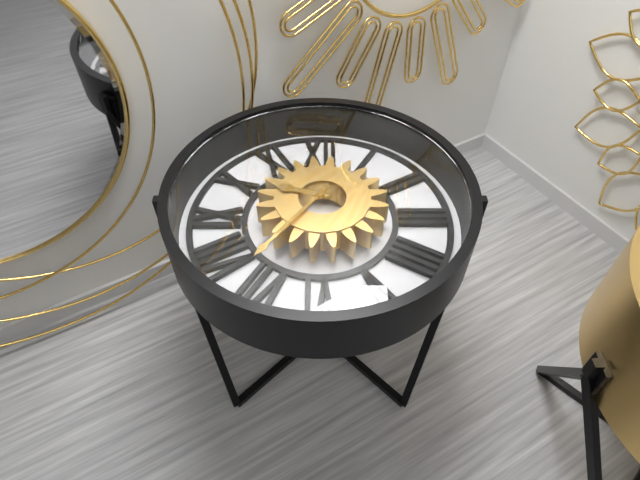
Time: {"hour": 9, "minute": 36}
